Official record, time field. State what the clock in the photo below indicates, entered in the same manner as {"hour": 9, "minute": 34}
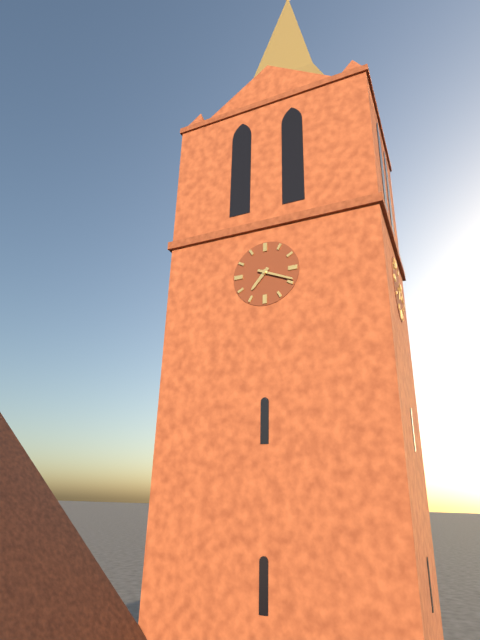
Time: {"hour": 7, "minute": 19}
